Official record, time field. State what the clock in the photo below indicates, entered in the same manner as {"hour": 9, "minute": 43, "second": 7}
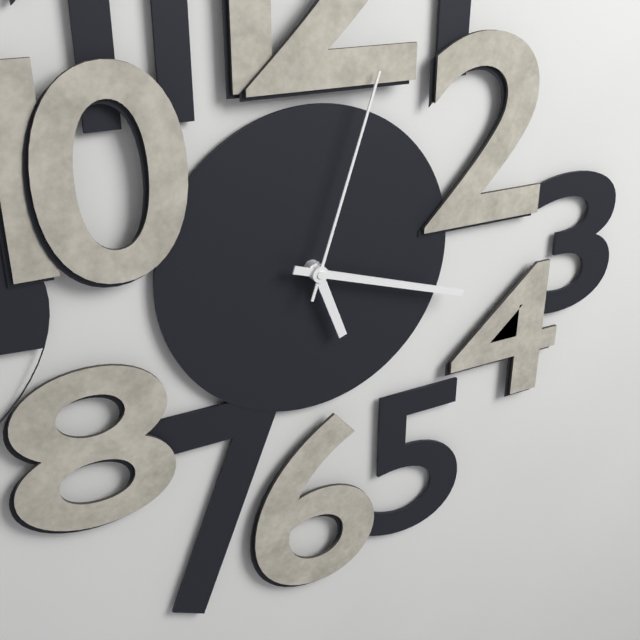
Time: {"hour": 5, "minute": 18, "second": 3}
